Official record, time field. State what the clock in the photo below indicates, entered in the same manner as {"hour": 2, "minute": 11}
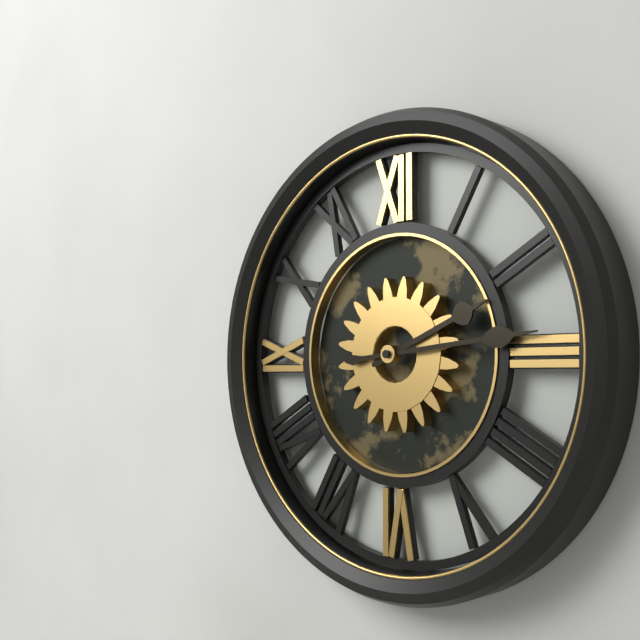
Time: {"hour": 2, "minute": 14}
